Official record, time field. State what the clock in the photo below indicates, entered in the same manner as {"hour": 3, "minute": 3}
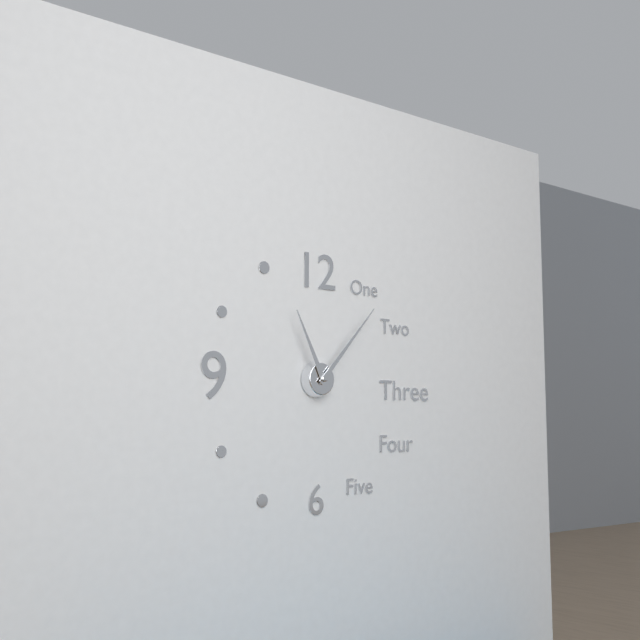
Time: {"hour": 11, "minute": 7}
